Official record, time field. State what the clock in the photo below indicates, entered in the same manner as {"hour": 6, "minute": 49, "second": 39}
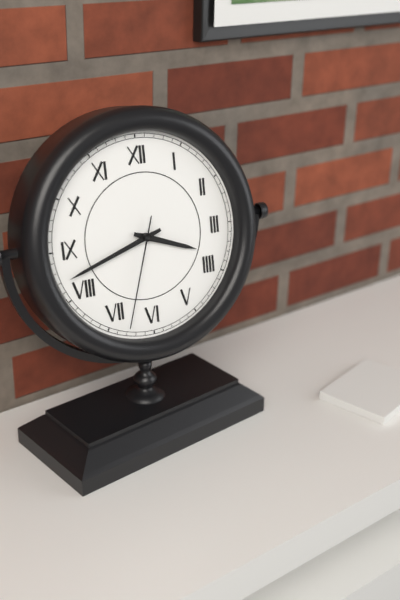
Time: {"hour": 3, "minute": 42, "second": 33}
